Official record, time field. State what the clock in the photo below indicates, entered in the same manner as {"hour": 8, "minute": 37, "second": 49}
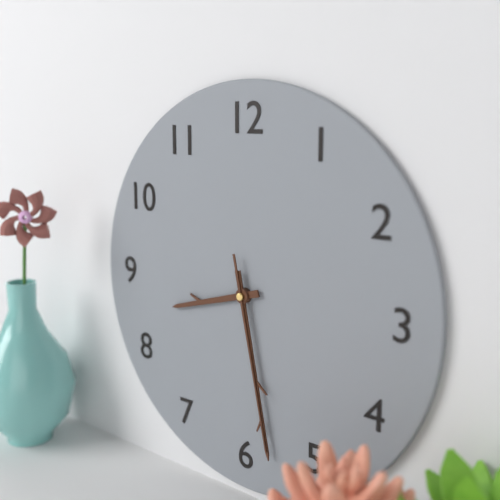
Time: {"hour": 8, "minute": 28, "second": 28}
